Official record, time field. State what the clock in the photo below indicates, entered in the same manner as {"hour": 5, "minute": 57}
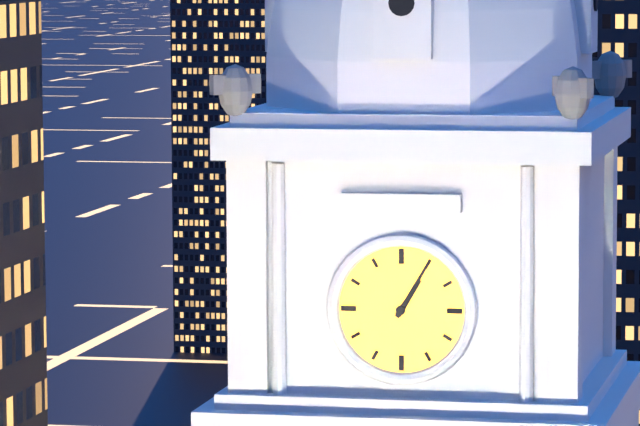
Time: {"hour": 1, "minute": 5}
